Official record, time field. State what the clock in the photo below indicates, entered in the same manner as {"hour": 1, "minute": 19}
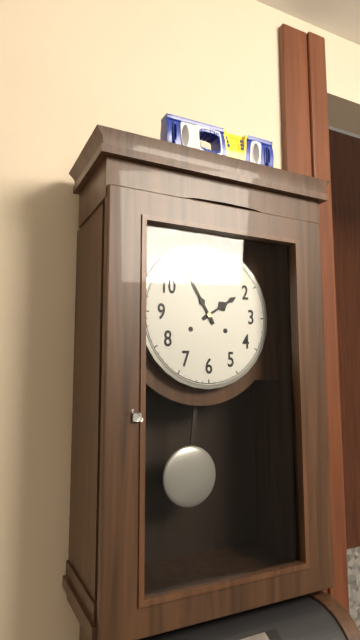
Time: {"hour": 1, "minute": 55}
